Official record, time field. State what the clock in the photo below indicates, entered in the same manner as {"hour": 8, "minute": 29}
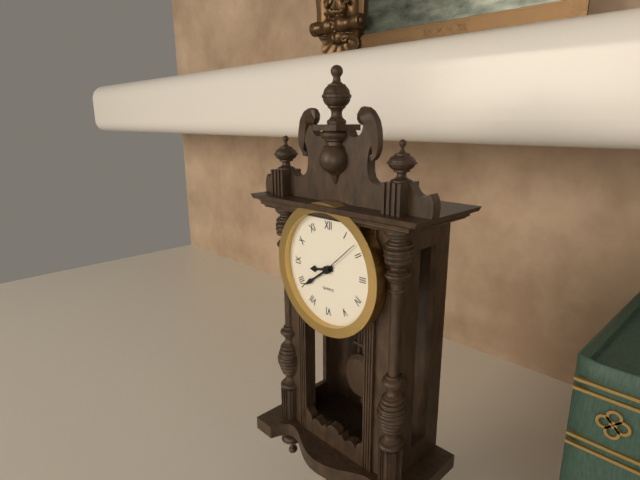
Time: {"hour": 8, "minute": 39}
